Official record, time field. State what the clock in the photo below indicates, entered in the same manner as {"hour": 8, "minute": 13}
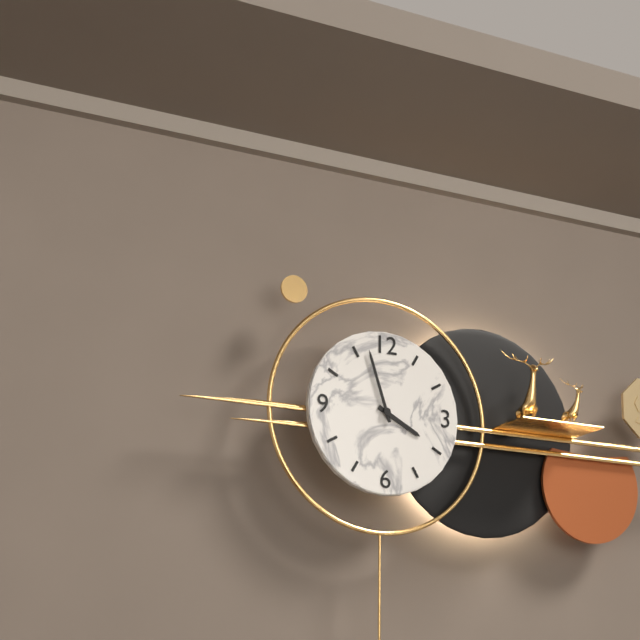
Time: {"hour": 3, "minute": 57}
